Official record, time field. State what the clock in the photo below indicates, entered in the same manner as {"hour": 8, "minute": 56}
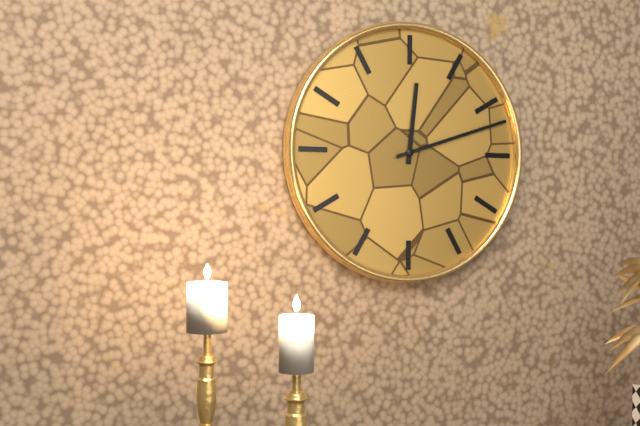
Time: {"hour": 12, "minute": 12}
